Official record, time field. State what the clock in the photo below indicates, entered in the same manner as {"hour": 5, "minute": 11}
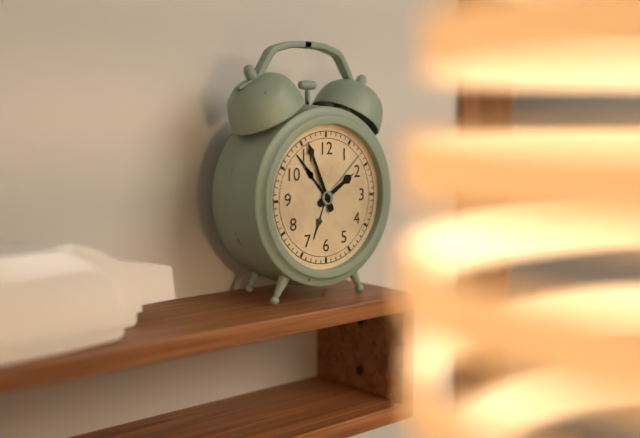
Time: {"hour": 1, "minute": 56}
